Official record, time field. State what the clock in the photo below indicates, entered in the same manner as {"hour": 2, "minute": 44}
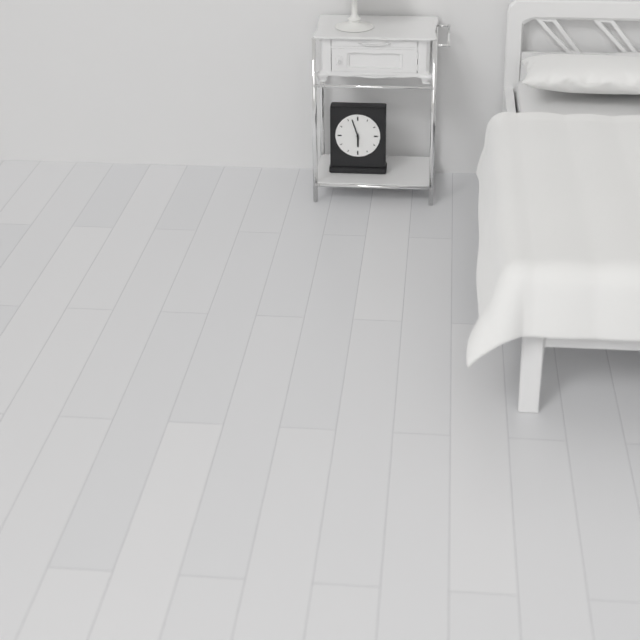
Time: {"hour": 5, "minute": 57}
